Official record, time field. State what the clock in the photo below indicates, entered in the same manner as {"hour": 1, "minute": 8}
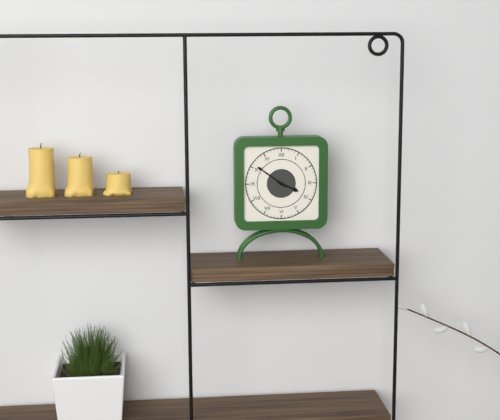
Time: {"hour": 3, "minute": 51}
